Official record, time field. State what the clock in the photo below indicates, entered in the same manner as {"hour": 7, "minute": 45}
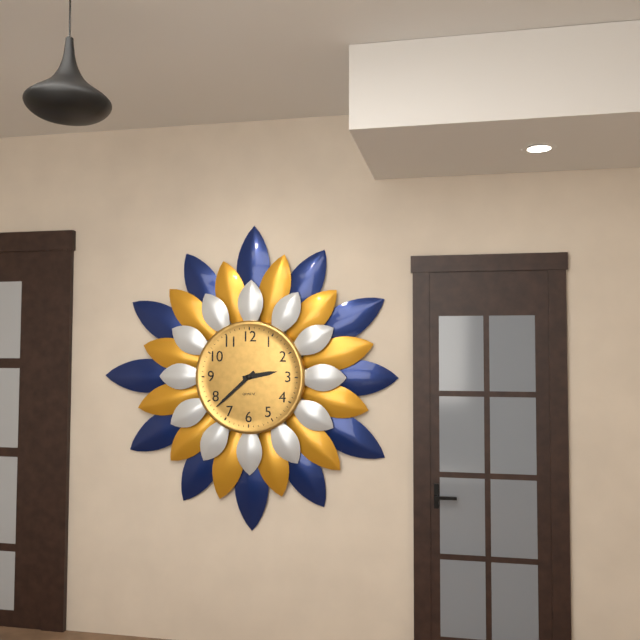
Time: {"hour": 2, "minute": 38}
